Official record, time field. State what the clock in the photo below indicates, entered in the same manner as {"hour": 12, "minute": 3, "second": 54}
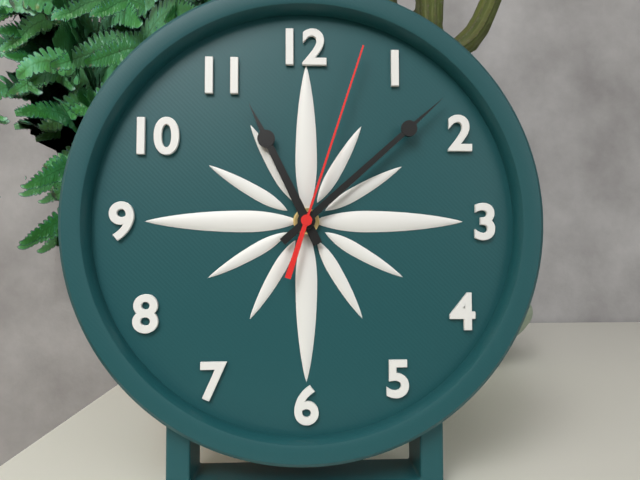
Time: {"hour": 11, "minute": 8, "second": 3}
